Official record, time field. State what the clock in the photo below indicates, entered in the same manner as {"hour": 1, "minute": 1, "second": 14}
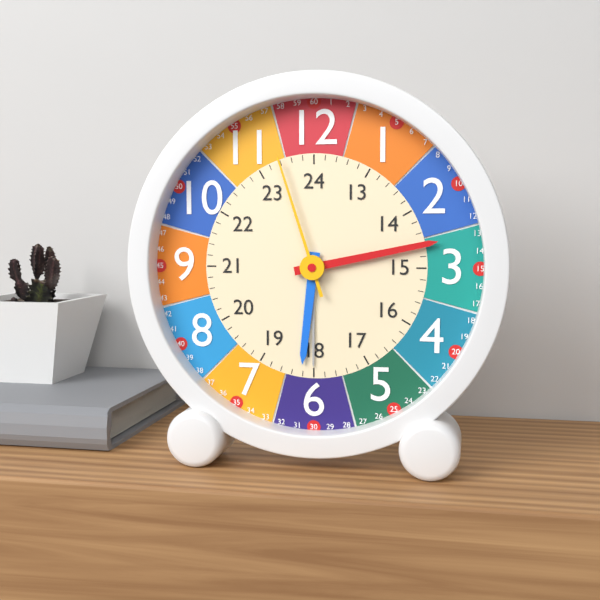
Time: {"hour": 6, "minute": 13, "second": 57}
